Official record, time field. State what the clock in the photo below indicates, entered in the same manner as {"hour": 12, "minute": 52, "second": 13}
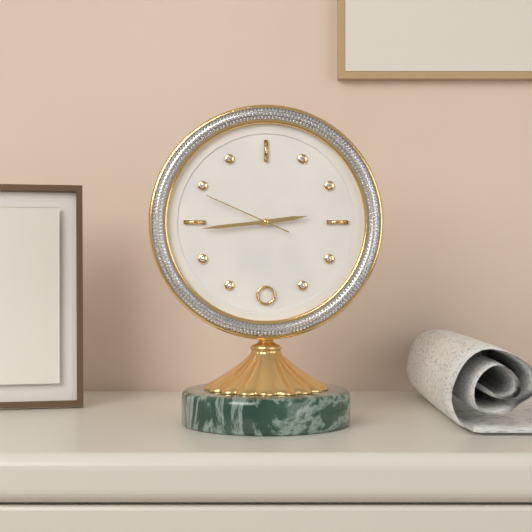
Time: {"hour": 2, "minute": 44, "second": 49}
